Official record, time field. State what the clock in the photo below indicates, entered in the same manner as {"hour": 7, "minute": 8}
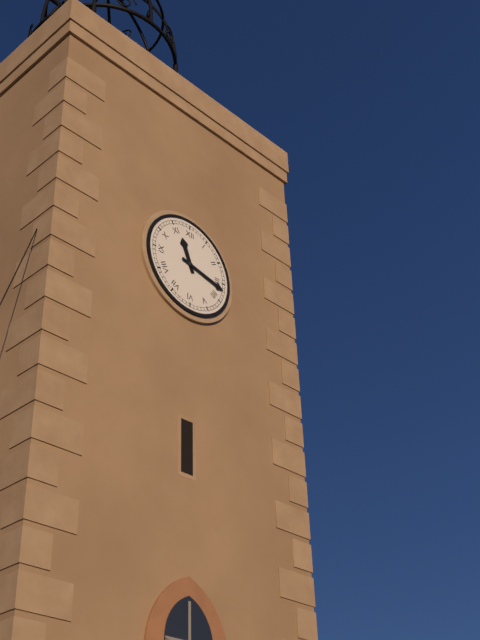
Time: {"hour": 11, "minute": 17}
